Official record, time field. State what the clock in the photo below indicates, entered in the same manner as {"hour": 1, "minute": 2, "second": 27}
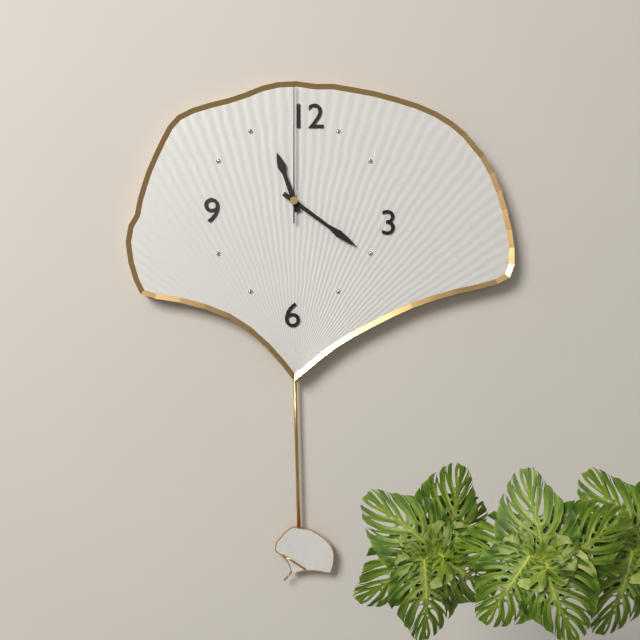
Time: {"hour": 11, "minute": 21, "second": 0}
